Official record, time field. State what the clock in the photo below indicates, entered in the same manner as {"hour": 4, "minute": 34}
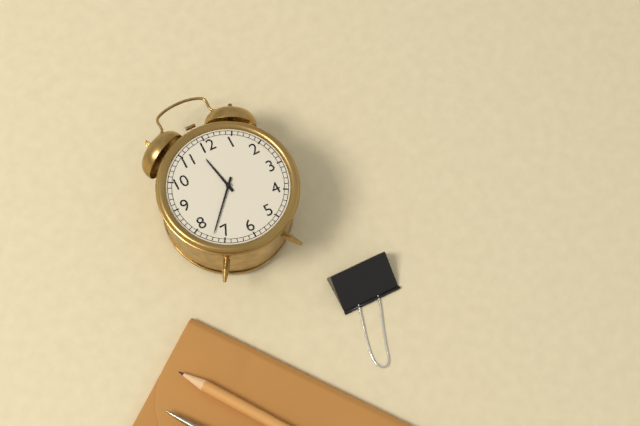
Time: {"hour": 11, "minute": 37}
